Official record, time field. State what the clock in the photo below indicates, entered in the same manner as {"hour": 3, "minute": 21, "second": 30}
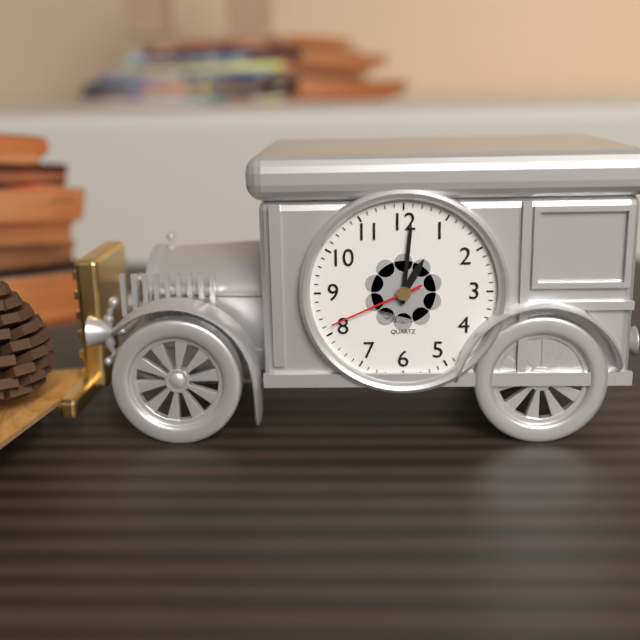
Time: {"hour": 1, "minute": 1, "second": 41}
